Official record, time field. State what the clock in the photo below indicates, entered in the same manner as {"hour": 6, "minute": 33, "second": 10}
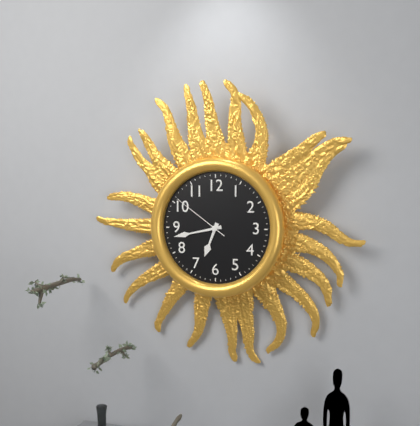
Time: {"hour": 6, "minute": 43, "second": 51}
